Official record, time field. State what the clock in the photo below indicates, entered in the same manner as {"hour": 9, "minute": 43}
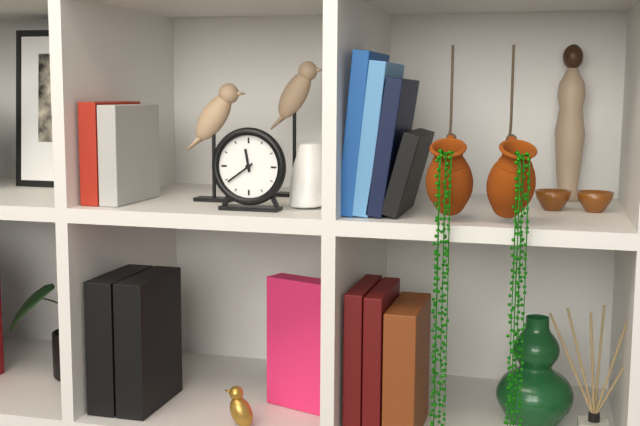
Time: {"hour": 11, "minute": 39}
